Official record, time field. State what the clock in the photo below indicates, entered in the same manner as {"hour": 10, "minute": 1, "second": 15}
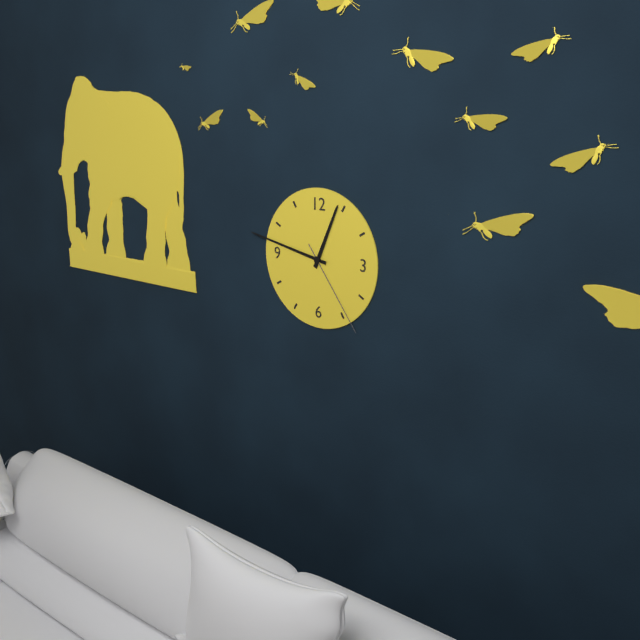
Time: {"hour": 12, "minute": 47, "second": 24}
